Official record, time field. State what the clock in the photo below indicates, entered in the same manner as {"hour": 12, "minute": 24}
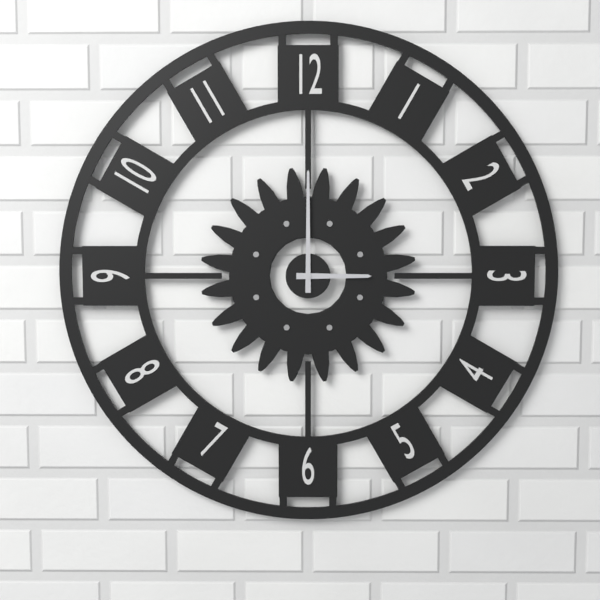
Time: {"hour": 3, "minute": 0}
